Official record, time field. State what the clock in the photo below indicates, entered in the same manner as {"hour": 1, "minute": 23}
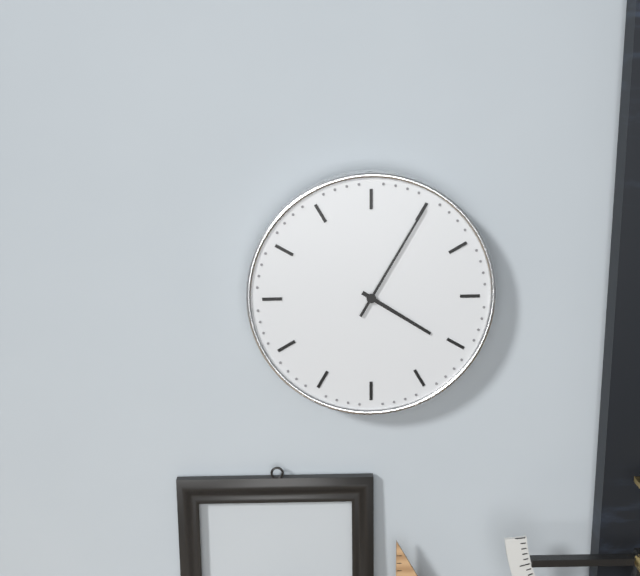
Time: {"hour": 4, "minute": 5}
